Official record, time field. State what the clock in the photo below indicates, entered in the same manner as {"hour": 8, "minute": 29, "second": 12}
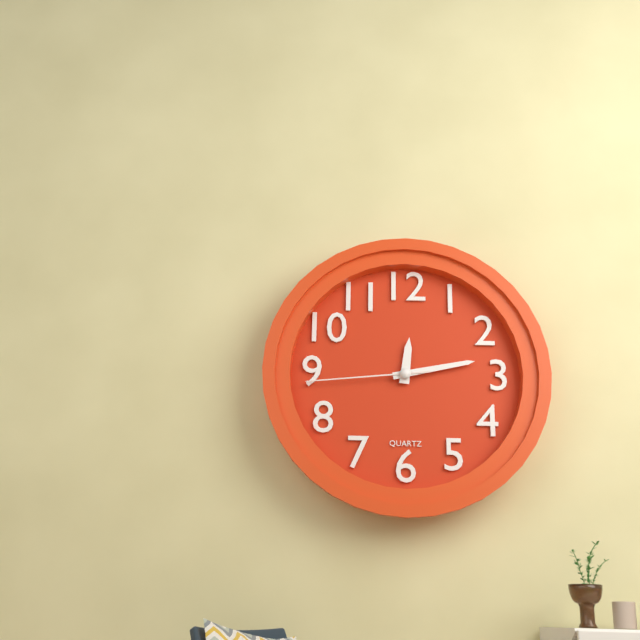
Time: {"hour": 12, "minute": 13, "second": 44}
